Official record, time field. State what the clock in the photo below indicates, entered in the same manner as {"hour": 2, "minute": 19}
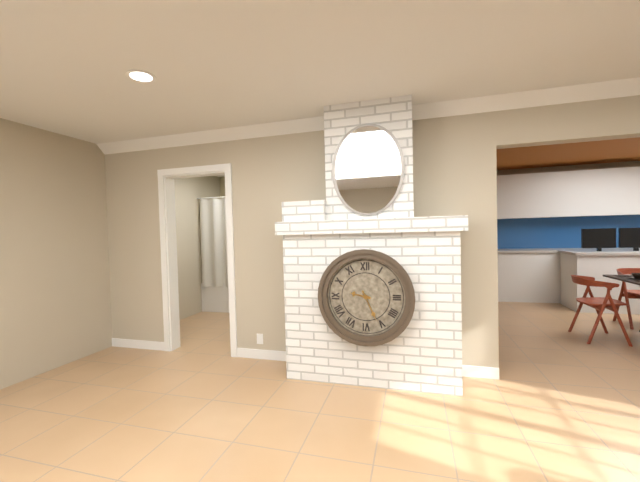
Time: {"hour": 9, "minute": 26}
